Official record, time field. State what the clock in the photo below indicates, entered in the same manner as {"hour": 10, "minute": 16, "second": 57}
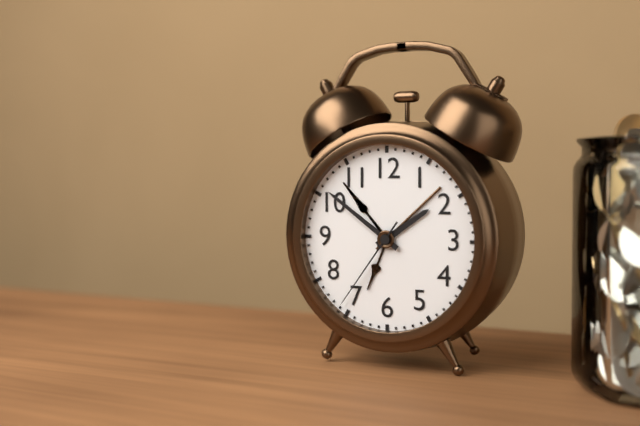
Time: {"hour": 1, "minute": 51, "second": 36}
